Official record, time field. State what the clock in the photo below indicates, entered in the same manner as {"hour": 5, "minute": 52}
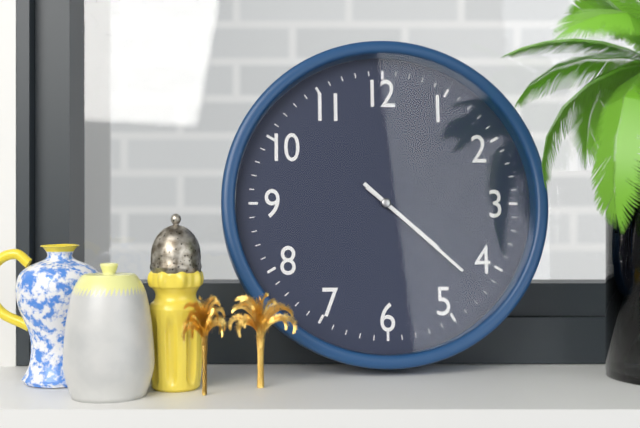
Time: {"hour": 4, "minute": 22}
